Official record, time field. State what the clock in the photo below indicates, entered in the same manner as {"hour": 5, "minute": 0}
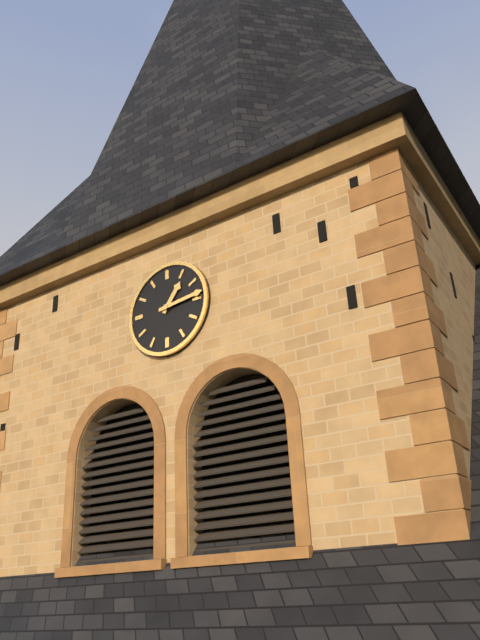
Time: {"hour": 1, "minute": 14}
